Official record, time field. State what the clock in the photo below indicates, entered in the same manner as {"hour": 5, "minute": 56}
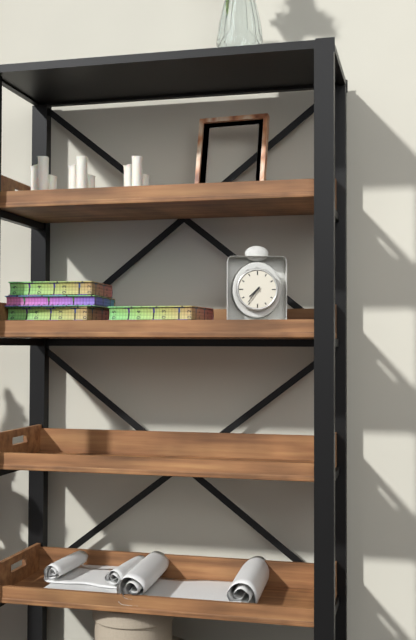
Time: {"hour": 7, "minute": 36}
